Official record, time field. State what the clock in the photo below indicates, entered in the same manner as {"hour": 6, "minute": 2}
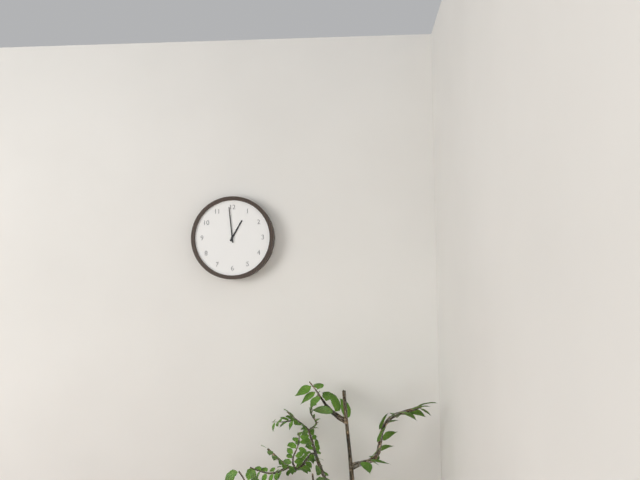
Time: {"hour": 12, "minute": 59}
